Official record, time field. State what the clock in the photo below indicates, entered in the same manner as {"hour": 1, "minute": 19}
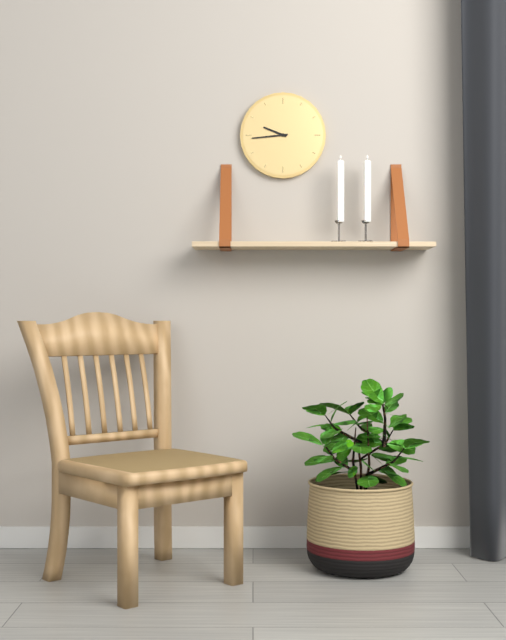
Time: {"hour": 9, "minute": 44}
